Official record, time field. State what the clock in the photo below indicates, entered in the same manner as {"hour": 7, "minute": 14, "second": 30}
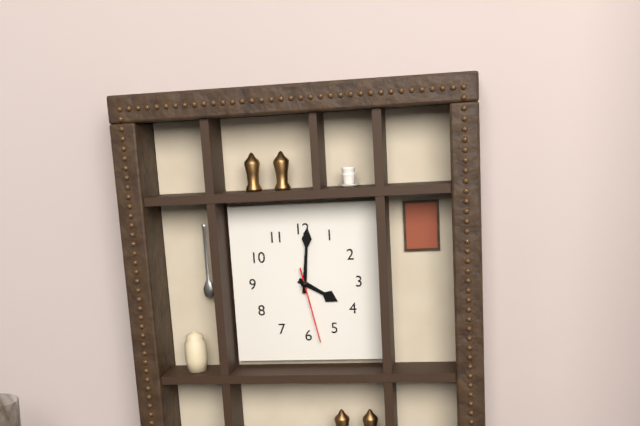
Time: {"hour": 4, "minute": 1, "second": 28}
